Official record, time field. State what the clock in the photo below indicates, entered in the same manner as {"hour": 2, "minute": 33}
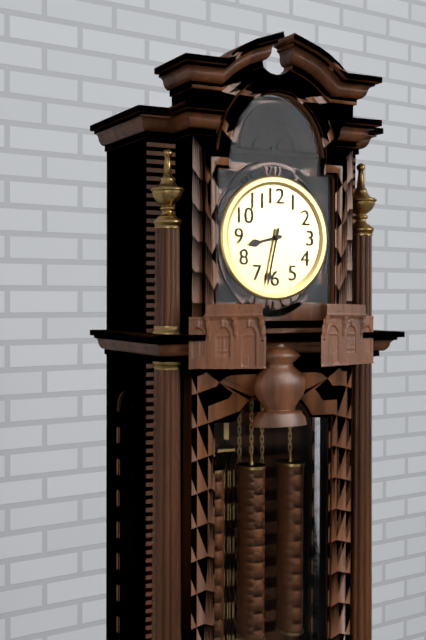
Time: {"hour": 8, "minute": 32}
